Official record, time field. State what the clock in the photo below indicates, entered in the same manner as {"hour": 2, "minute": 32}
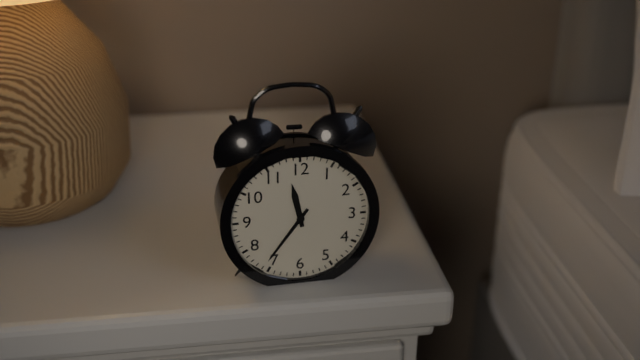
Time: {"hour": 11, "minute": 36}
